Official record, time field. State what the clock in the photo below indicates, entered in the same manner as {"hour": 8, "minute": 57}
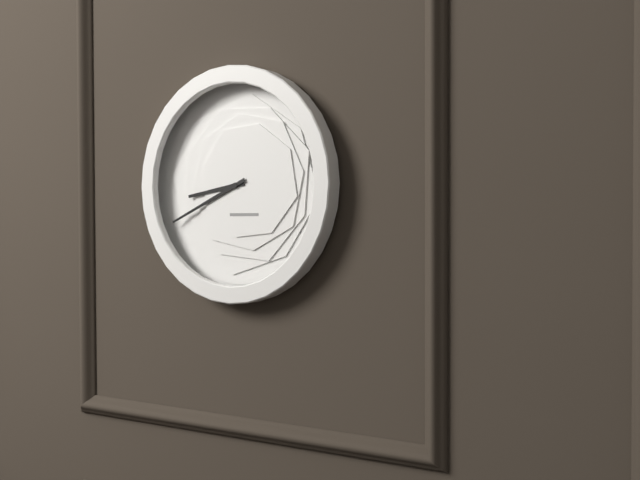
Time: {"hour": 8, "minute": 41}
